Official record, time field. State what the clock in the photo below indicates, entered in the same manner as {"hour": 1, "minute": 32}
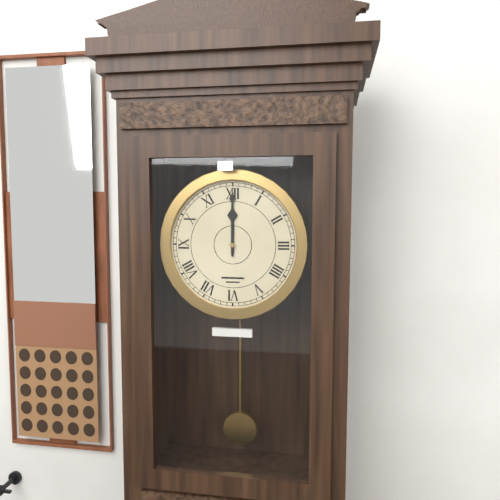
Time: {"hour": 12, "minute": 0}
